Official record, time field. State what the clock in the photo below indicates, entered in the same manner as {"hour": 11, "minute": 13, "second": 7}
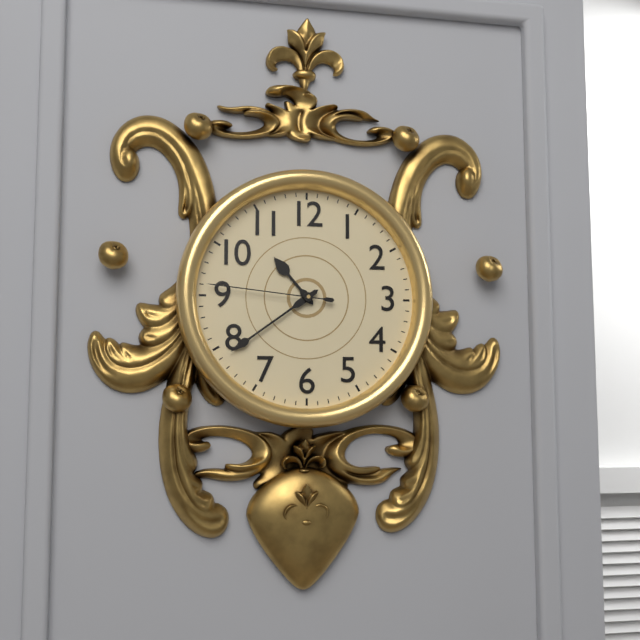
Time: {"hour": 10, "minute": 39, "second": 46}
